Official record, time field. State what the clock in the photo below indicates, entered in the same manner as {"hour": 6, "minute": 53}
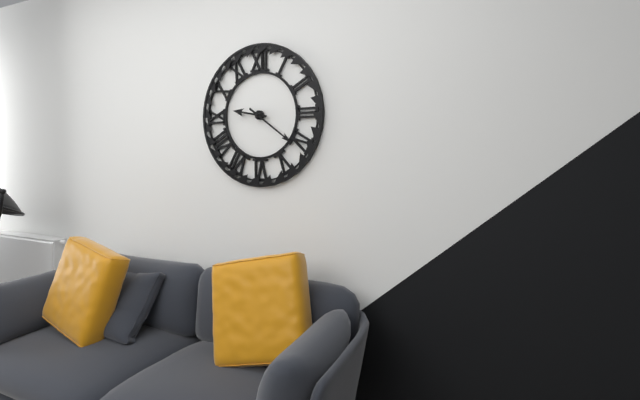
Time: {"hour": 9, "minute": 21}
